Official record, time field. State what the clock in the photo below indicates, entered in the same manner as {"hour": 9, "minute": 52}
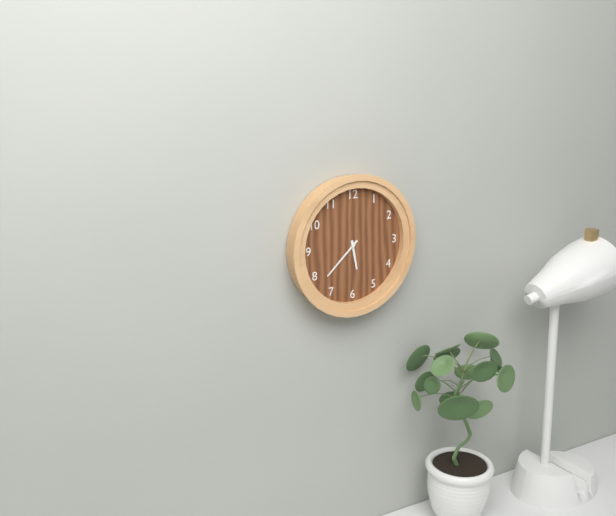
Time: {"hour": 5, "minute": 38}
